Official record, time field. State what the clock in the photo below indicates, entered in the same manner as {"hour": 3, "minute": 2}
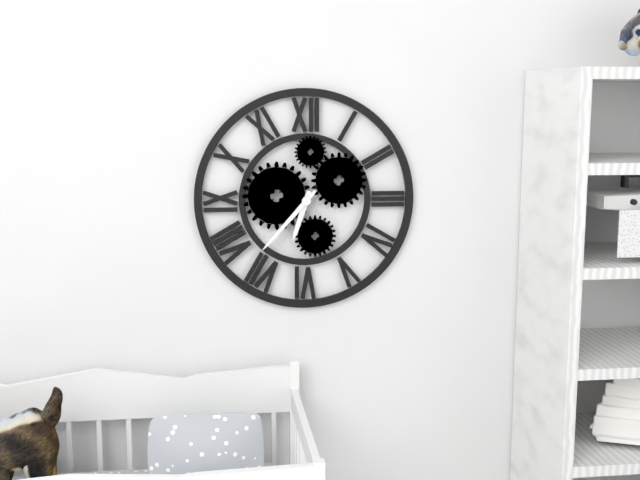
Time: {"hour": 6, "minute": 37}
